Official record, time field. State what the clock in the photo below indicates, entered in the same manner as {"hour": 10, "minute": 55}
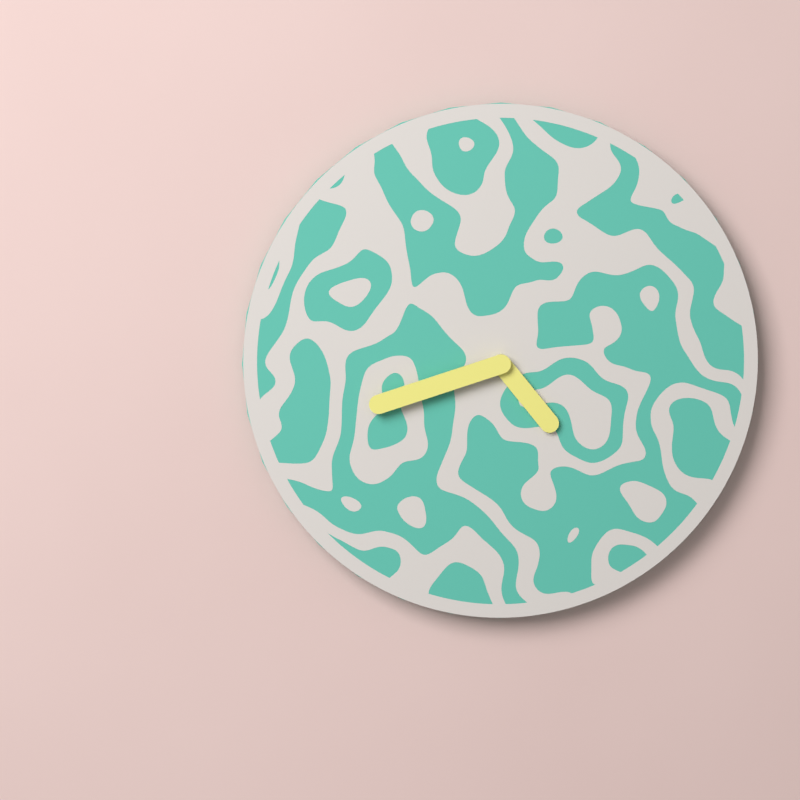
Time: {"hour": 4, "minute": 42}
